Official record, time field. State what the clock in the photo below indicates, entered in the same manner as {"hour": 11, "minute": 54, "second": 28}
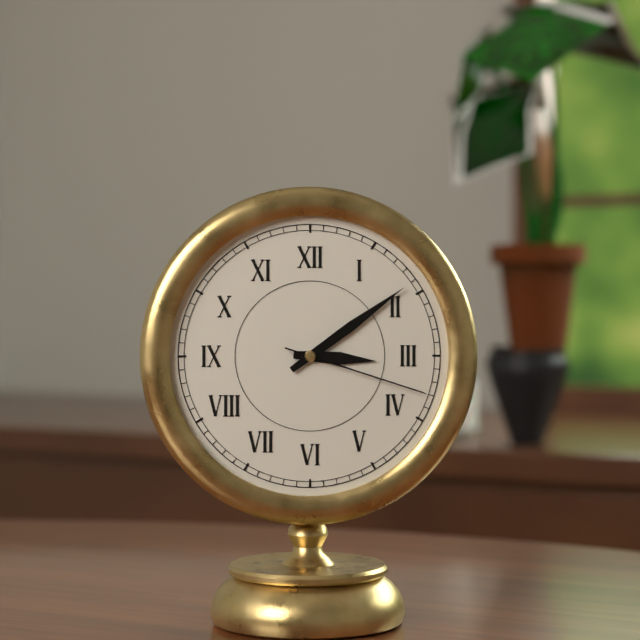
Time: {"hour": 3, "minute": 9, "second": 18}
